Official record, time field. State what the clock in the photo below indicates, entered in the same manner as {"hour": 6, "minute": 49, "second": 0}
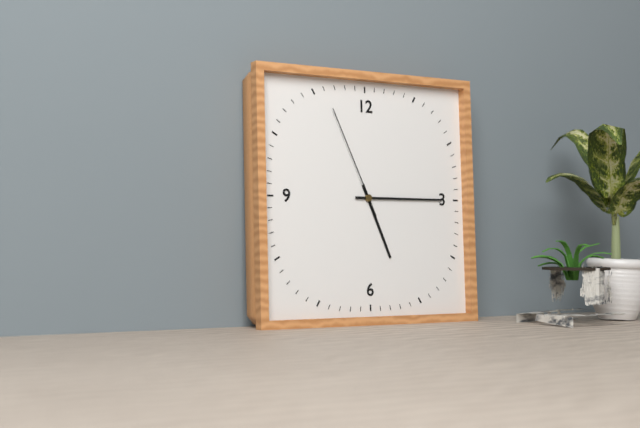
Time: {"hour": 5, "minute": 15, "second": 56}
